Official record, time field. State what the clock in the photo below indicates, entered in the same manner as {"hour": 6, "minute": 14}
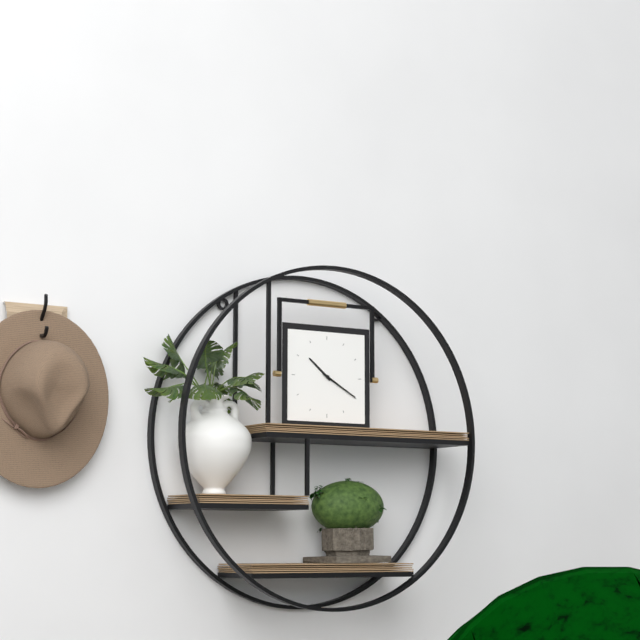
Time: {"hour": 10, "minute": 20}
